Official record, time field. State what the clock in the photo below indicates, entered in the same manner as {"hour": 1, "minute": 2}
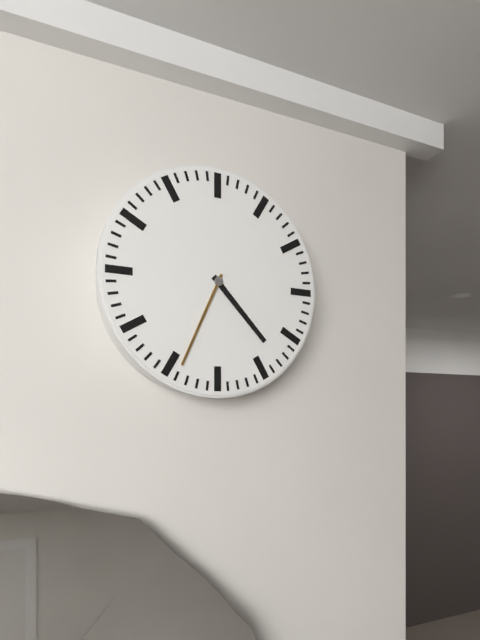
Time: {"hour": 4, "minute": 34}
